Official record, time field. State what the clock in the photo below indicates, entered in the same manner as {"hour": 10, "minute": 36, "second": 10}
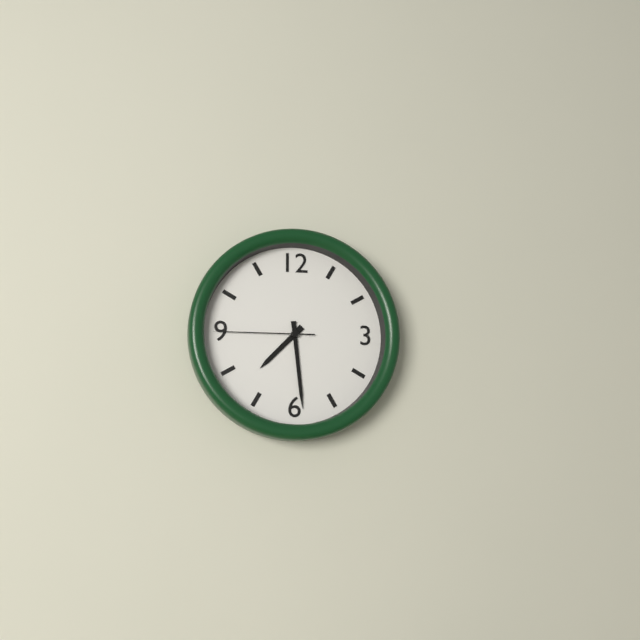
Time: {"hour": 7, "minute": 29, "second": 45}
